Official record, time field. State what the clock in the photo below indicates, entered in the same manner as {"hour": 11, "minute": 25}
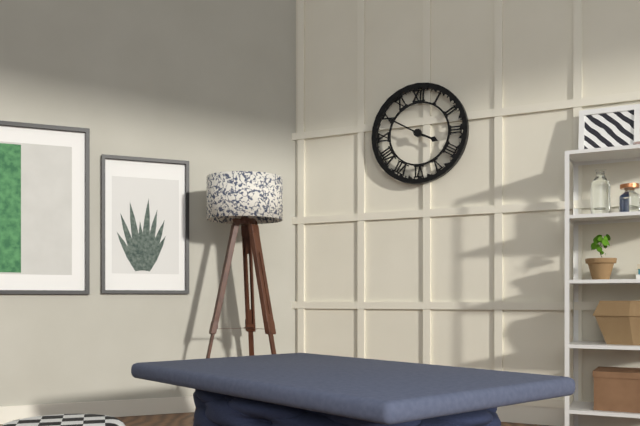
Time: {"hour": 3, "minute": 50}
